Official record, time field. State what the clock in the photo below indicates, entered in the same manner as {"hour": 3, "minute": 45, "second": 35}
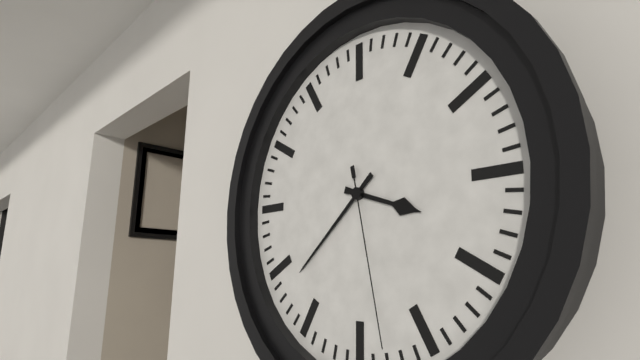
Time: {"hour": 3, "minute": 38, "second": 28}
